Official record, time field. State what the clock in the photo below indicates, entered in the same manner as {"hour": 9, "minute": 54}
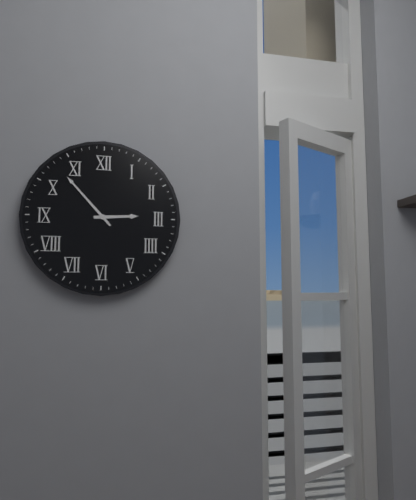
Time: {"hour": 2, "minute": 53}
